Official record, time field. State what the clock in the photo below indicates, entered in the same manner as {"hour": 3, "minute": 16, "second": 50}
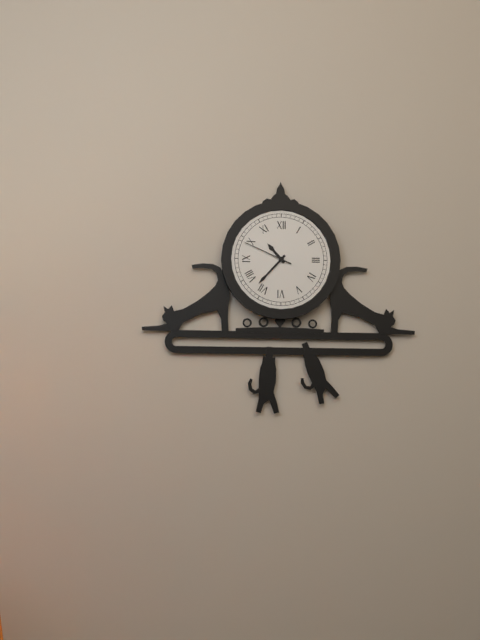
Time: {"hour": 10, "minute": 37, "second": 49}
